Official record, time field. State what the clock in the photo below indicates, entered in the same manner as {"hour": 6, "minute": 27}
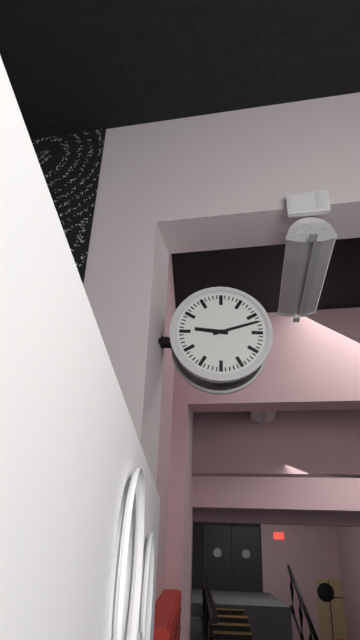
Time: {"hour": 9, "minute": 12}
